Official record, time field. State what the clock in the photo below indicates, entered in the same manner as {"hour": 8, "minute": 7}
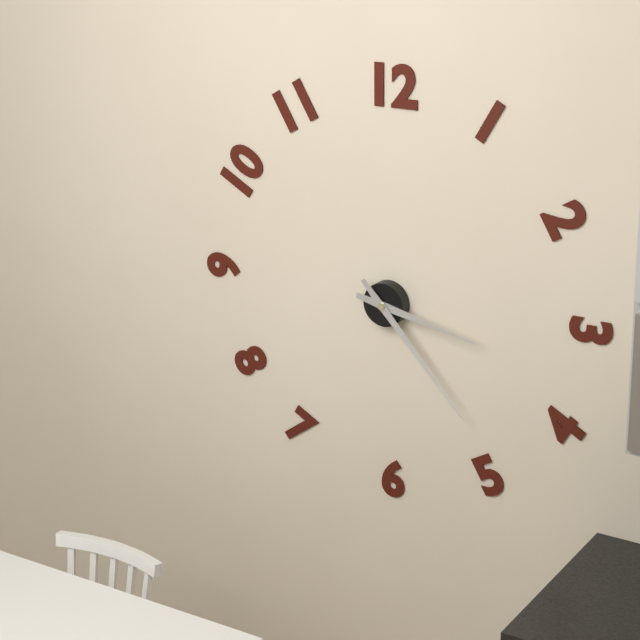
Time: {"hour": 3, "minute": 23}
